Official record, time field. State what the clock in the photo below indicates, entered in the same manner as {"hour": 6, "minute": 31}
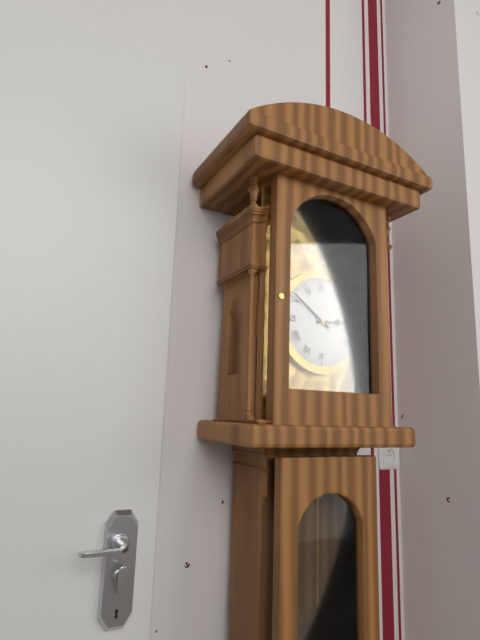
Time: {"hour": 2, "minute": 51}
